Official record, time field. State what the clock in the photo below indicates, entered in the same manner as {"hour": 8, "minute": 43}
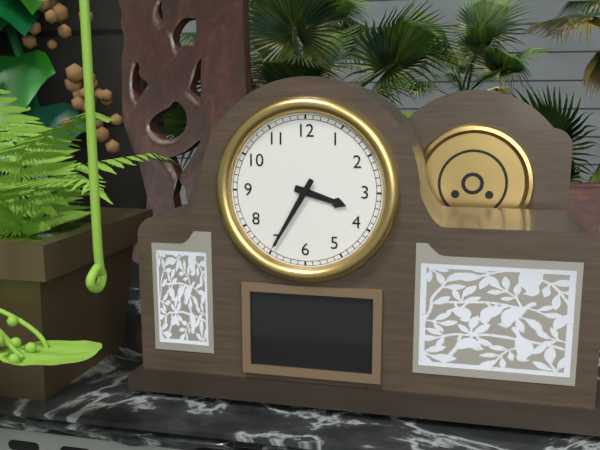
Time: {"hour": 3, "minute": 35}
